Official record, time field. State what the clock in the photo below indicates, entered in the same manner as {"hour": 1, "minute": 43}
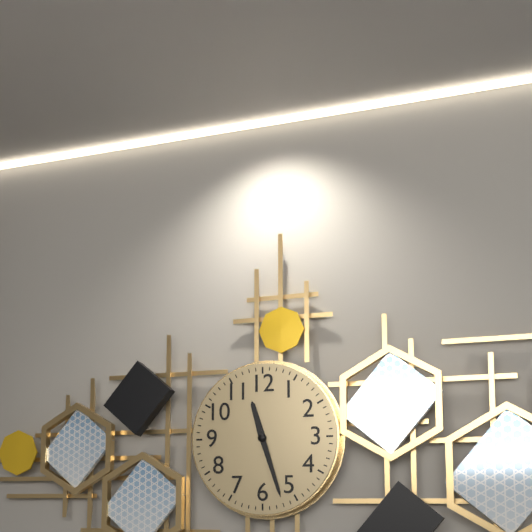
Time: {"hour": 11, "minute": 27}
